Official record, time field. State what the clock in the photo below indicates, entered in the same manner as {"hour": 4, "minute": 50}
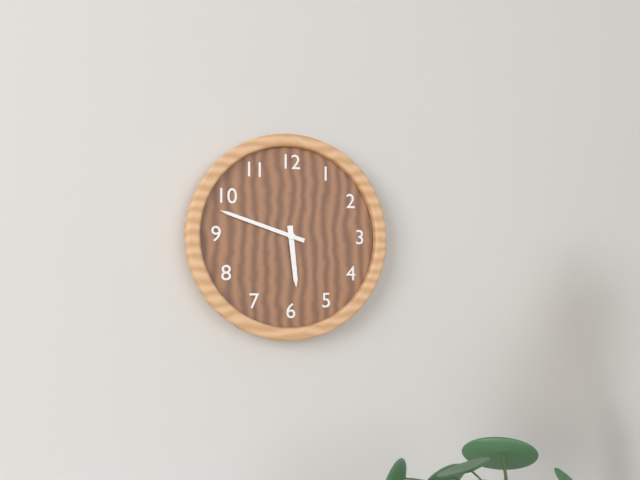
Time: {"hour": 5, "minute": 48}
